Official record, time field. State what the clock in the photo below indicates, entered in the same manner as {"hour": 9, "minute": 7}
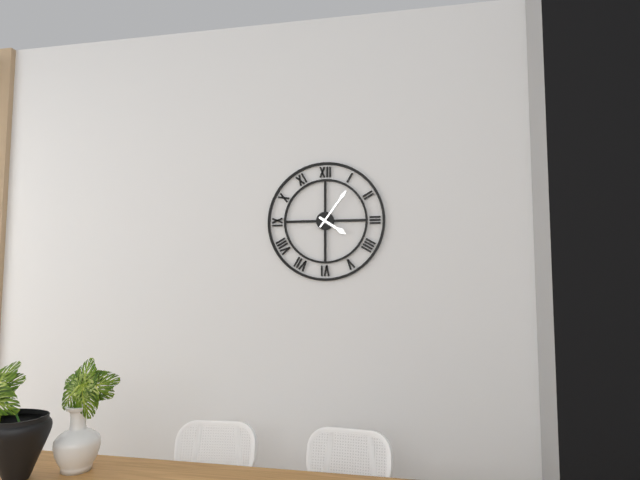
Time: {"hour": 4, "minute": 6}
